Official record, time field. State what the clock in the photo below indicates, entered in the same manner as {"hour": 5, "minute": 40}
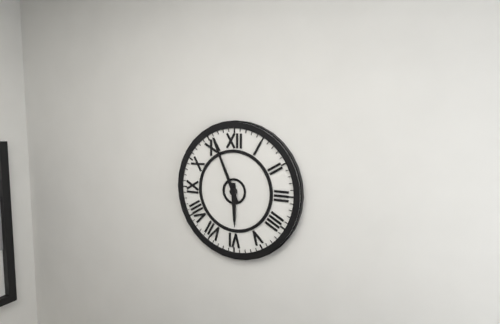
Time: {"hour": 5, "minute": 56}
